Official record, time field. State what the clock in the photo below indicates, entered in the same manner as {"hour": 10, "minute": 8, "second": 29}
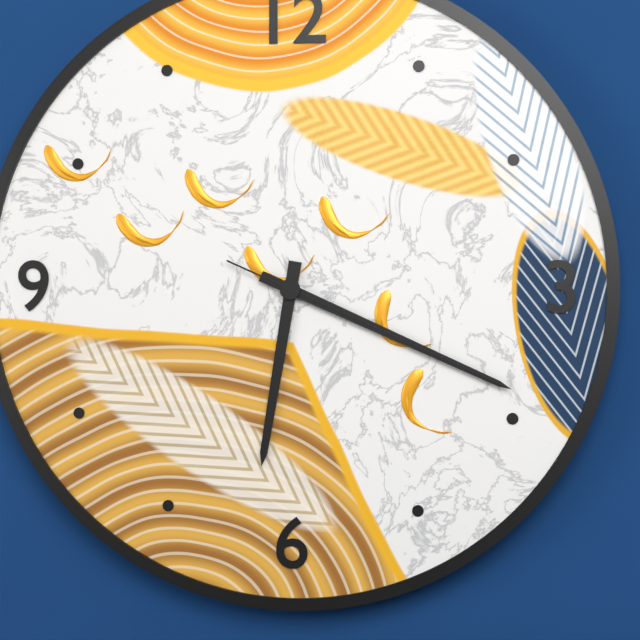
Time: {"hour": 6, "minute": 19, "second": 19}
